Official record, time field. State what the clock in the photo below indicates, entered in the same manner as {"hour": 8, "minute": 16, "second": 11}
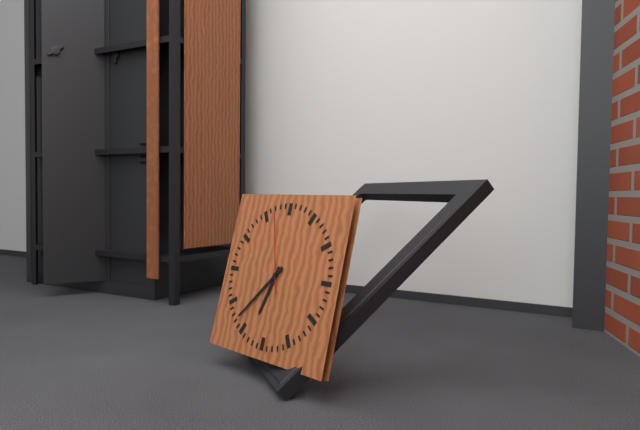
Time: {"hour": 6, "minute": 37, "second": 57}
